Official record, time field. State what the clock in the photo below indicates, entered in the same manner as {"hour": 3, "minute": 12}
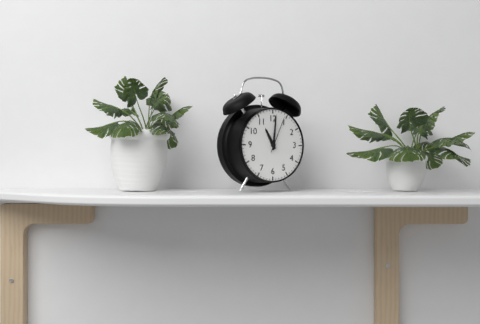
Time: {"hour": 11, "minute": 1}
